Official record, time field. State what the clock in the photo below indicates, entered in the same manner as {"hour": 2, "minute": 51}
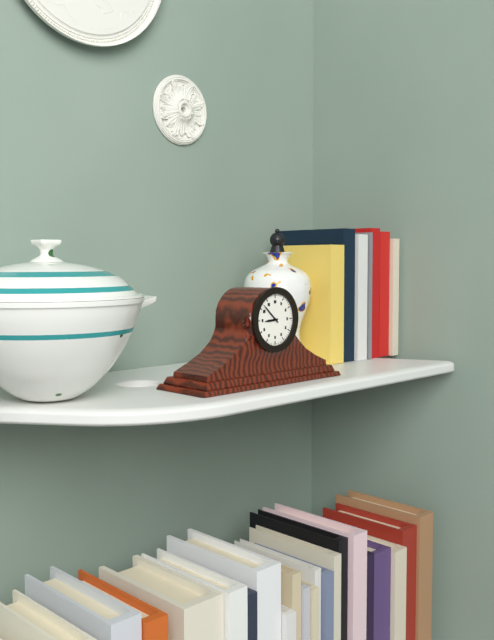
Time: {"hour": 8, "minute": 52}
